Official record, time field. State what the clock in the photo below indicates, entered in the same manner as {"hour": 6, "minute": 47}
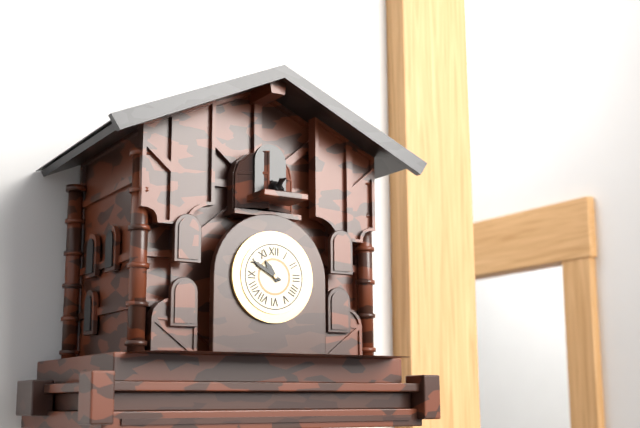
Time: {"hour": 10, "minute": 50}
